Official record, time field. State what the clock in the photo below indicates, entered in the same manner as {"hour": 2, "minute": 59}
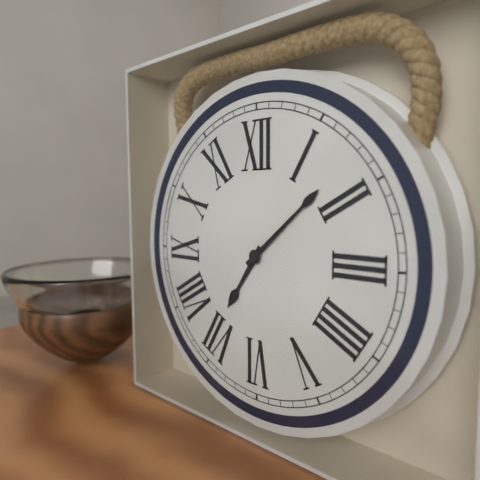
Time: {"hour": 7, "minute": 8}
